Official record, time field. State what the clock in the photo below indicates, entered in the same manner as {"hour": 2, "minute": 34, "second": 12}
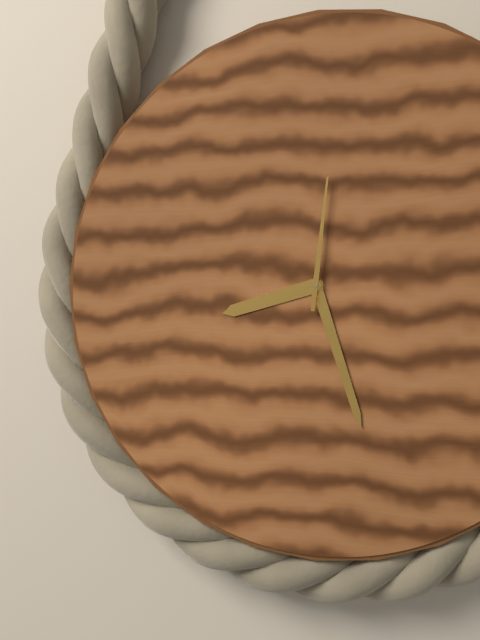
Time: {"hour": 8, "minute": 27, "second": 1}
